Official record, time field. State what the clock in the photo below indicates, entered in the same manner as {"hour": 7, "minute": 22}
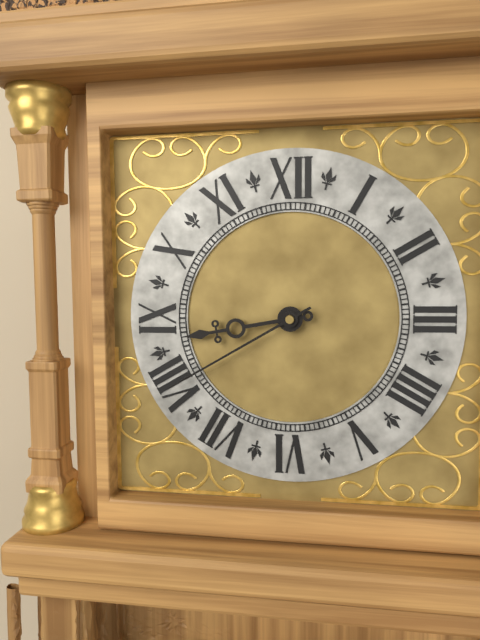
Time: {"hour": 8, "minute": 40}
